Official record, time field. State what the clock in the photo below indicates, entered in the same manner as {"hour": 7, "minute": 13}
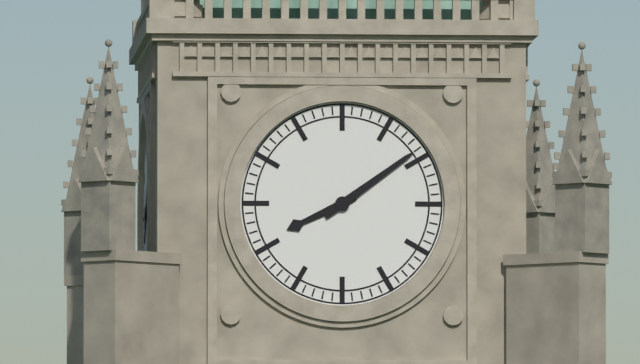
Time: {"hour": 8, "minute": 9}
